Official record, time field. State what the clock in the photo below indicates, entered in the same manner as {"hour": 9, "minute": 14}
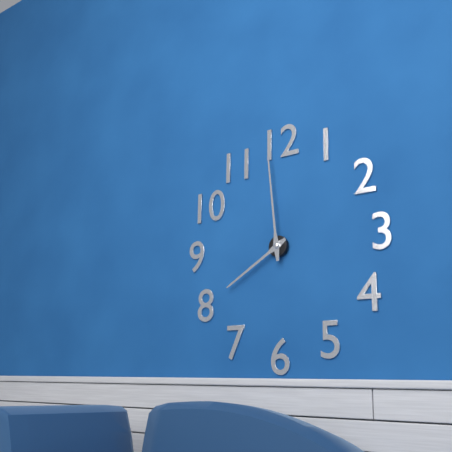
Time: {"hour": 7, "minute": 59}
